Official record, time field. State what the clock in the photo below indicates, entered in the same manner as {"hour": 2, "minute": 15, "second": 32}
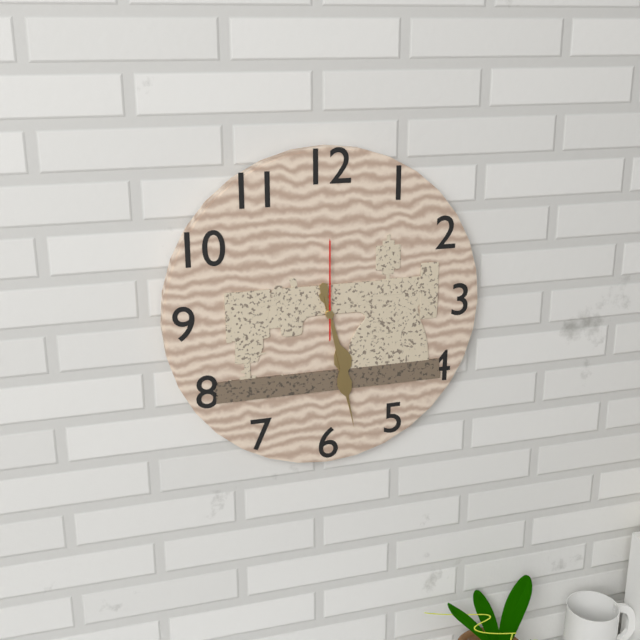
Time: {"hour": 5, "minute": 28, "second": 0}
